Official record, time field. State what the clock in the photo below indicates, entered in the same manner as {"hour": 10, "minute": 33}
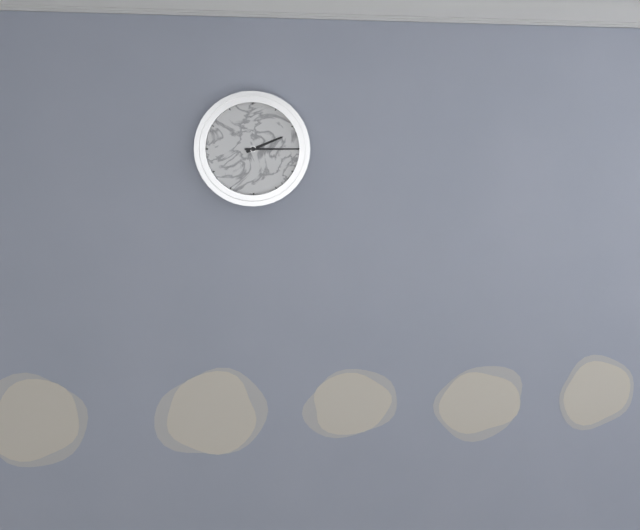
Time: {"hour": 2, "minute": 15}
